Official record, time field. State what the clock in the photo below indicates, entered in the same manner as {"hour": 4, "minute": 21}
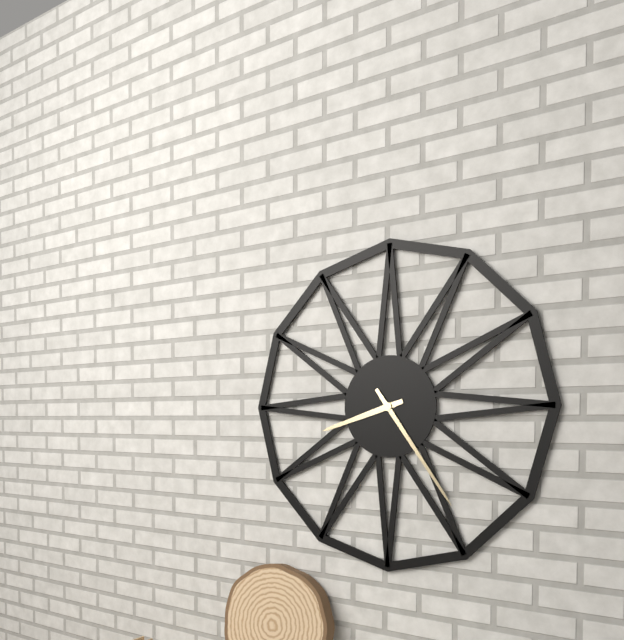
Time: {"hour": 8, "minute": 24}
